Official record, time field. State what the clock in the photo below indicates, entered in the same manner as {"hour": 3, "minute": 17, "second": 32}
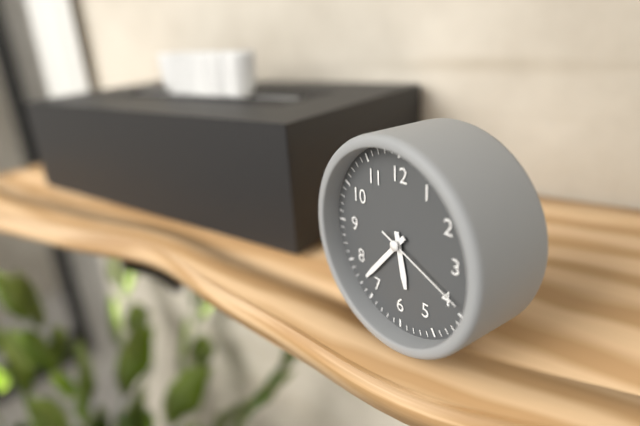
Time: {"hour": 5, "minute": 37, "second": 19}
